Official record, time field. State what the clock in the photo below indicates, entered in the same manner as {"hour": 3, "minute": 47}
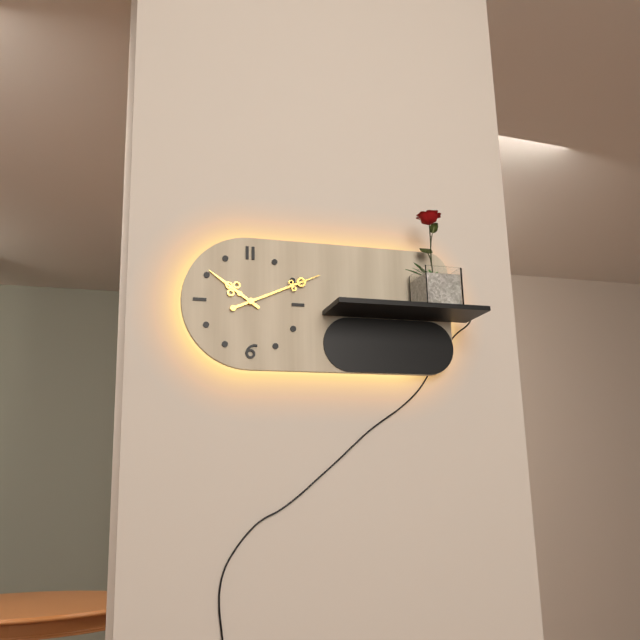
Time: {"hour": 10, "minute": 11}
